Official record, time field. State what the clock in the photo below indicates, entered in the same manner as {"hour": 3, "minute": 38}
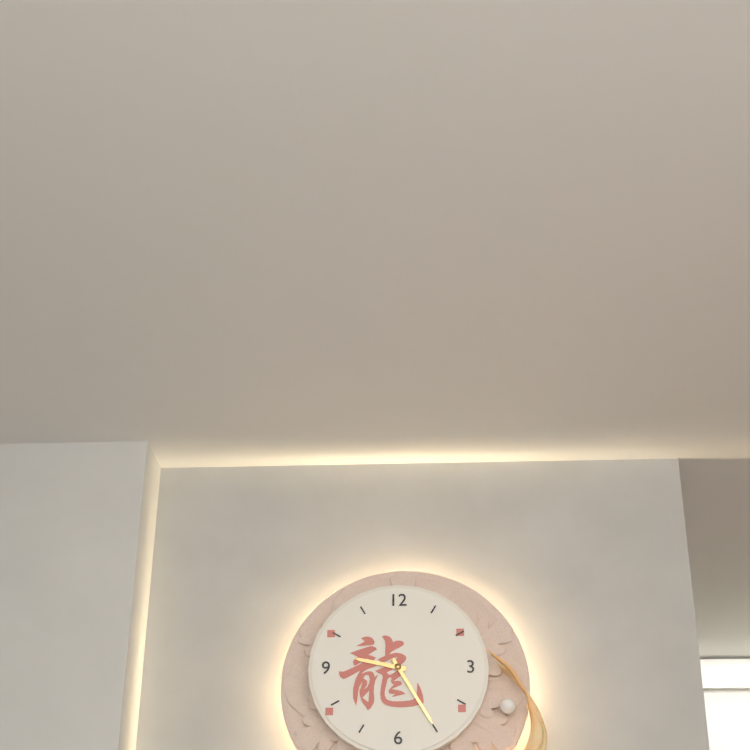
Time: {"hour": 9, "minute": 25}
